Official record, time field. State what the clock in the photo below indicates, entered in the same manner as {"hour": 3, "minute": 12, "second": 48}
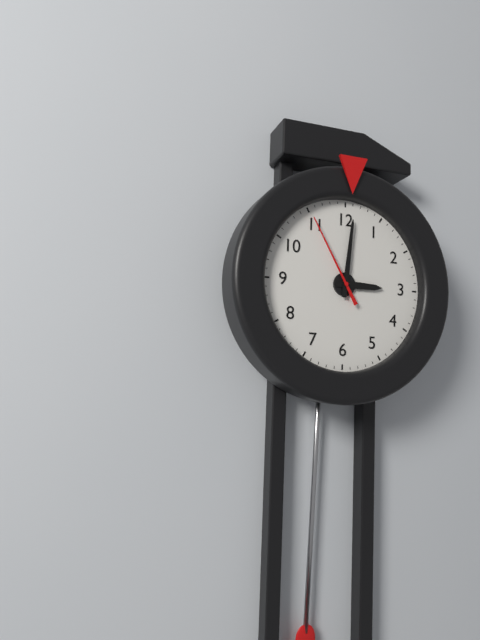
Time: {"hour": 3, "minute": 1, "second": 55}
